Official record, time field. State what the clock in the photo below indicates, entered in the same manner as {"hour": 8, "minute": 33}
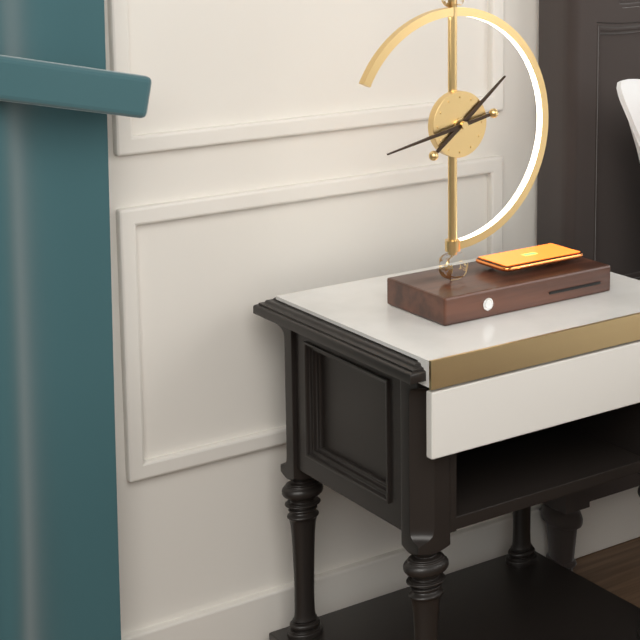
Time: {"hour": 1, "minute": 43}
